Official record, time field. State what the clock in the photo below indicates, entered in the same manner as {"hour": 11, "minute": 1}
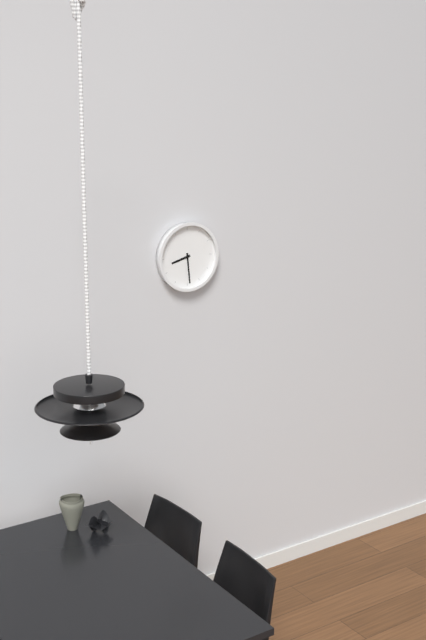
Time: {"hour": 8, "minute": 29}
